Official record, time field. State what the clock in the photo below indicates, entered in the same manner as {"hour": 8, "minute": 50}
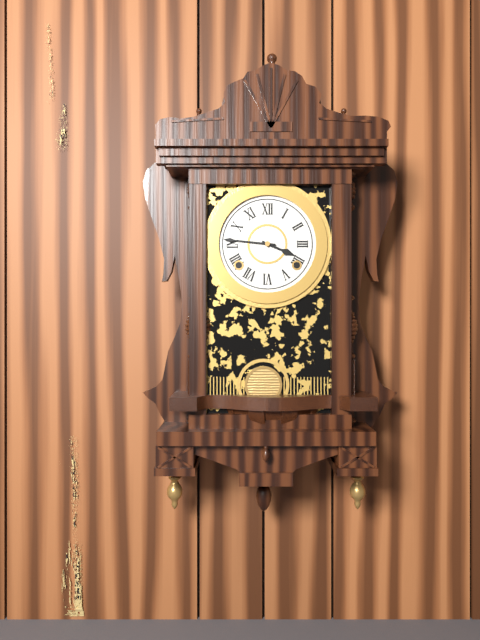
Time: {"hour": 3, "minute": 46}
